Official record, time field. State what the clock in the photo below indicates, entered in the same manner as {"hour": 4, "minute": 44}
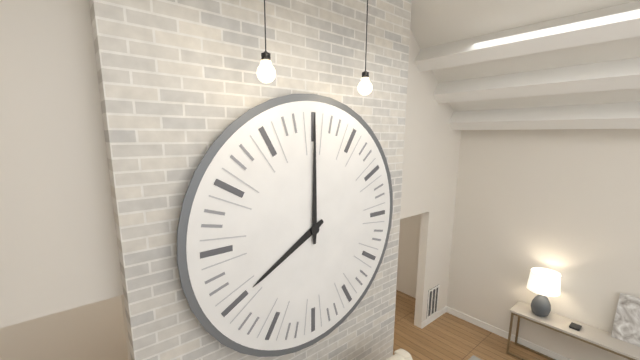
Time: {"hour": 8, "minute": 0}
